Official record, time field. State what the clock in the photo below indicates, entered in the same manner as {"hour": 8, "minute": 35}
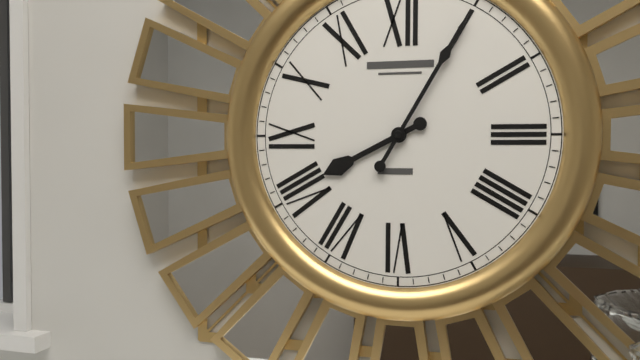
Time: {"hour": 8, "minute": 5}
